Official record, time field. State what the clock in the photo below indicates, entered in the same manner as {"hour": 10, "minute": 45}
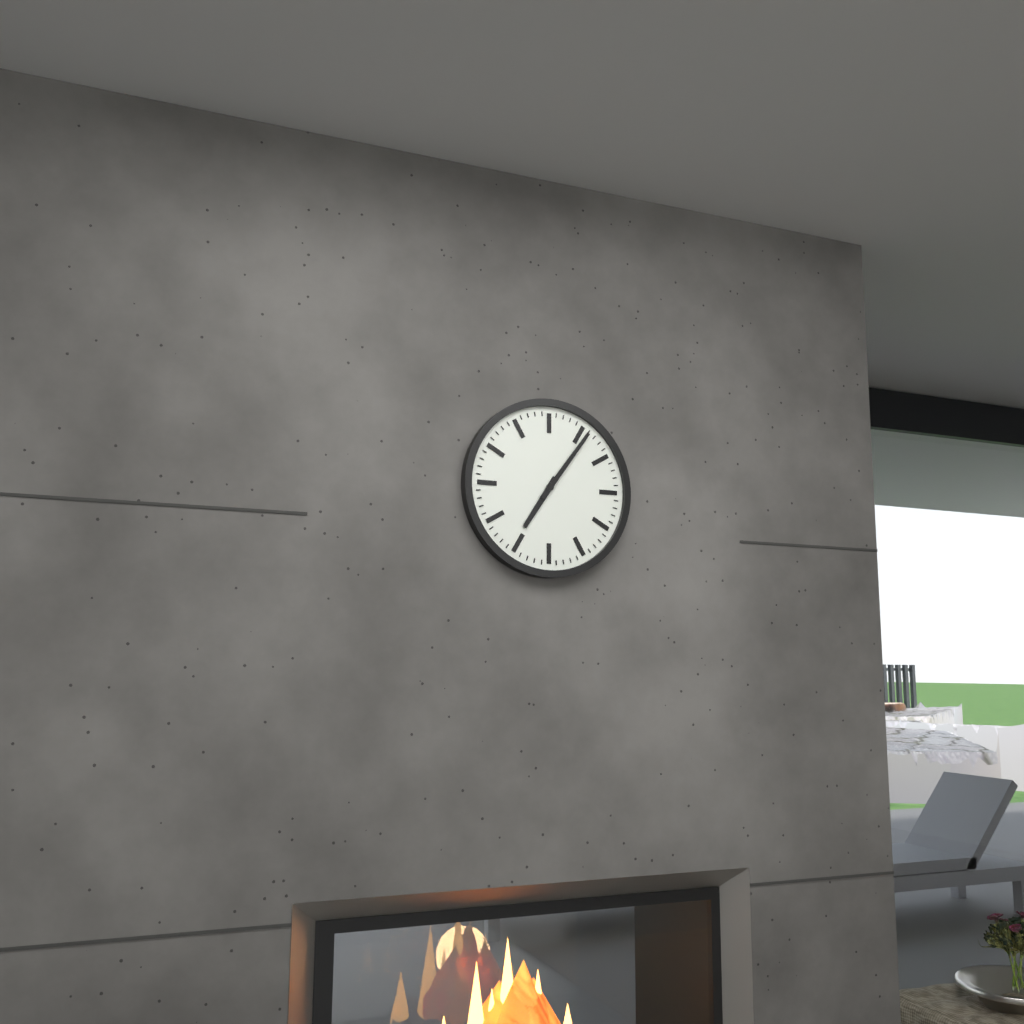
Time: {"hour": 7, "minute": 6}
